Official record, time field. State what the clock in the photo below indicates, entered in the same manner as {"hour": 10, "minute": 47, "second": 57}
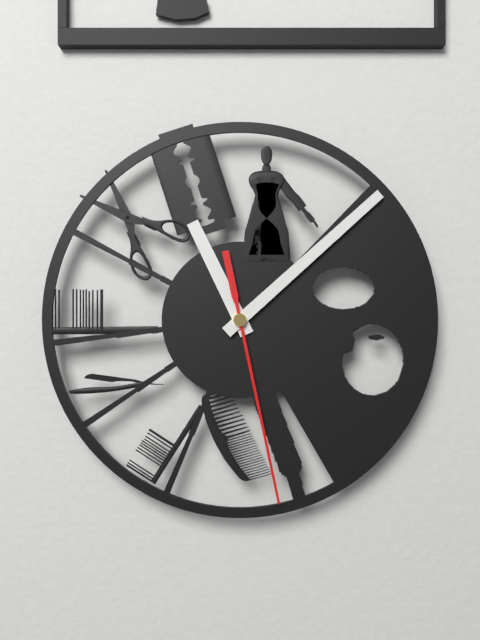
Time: {"hour": 11, "minute": 8, "second": 28}
